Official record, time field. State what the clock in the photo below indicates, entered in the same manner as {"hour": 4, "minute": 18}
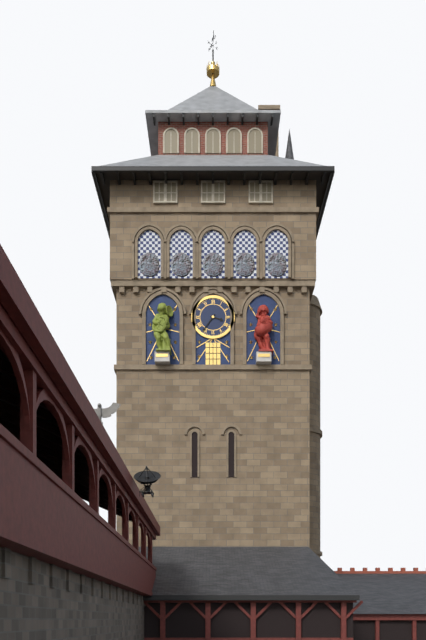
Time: {"hour": 3, "minute": 36}
